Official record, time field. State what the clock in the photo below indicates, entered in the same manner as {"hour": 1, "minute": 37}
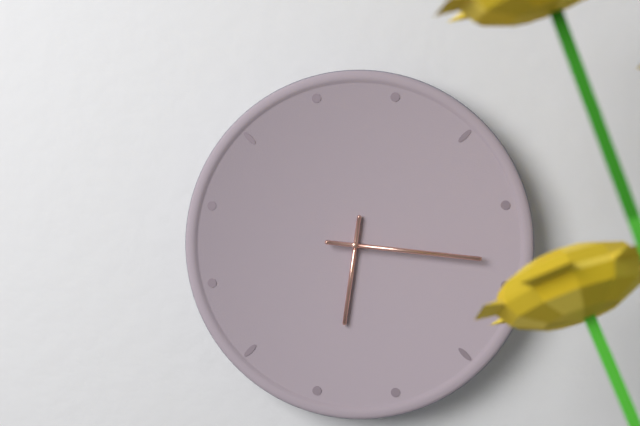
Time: {"hour": 6, "minute": 16}
